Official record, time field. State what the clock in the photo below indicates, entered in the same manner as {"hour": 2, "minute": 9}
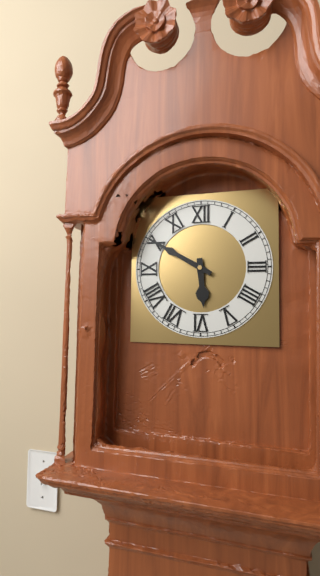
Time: {"hour": 5, "minute": 50}
